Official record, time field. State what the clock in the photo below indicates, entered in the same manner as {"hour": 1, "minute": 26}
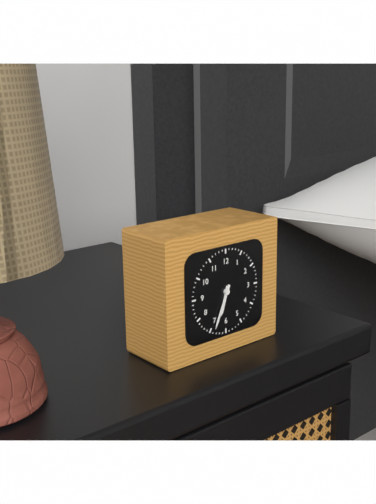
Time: {"hour": 6, "minute": 34}
